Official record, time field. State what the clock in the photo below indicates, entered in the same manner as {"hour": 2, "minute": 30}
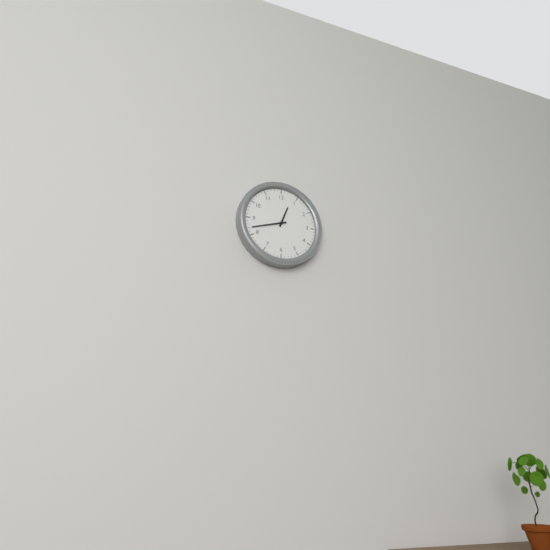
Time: {"hour": 12, "minute": 42}
